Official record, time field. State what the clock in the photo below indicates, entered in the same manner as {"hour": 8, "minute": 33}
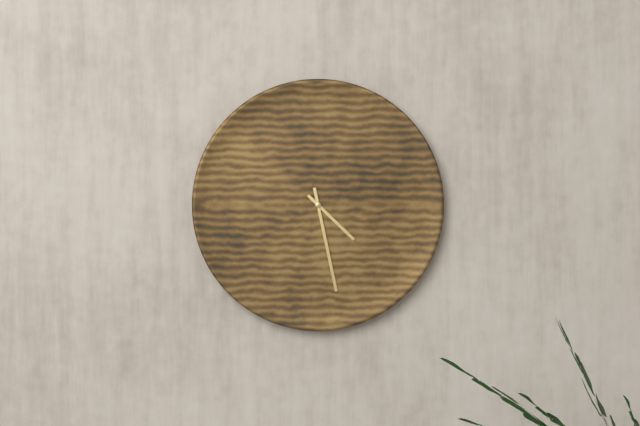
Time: {"hour": 4, "minute": 28}
